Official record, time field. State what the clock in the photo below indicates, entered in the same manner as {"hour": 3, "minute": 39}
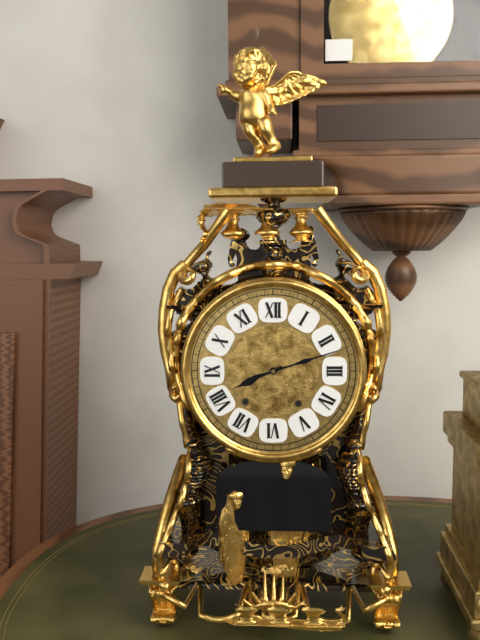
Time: {"hour": 8, "minute": 12}
